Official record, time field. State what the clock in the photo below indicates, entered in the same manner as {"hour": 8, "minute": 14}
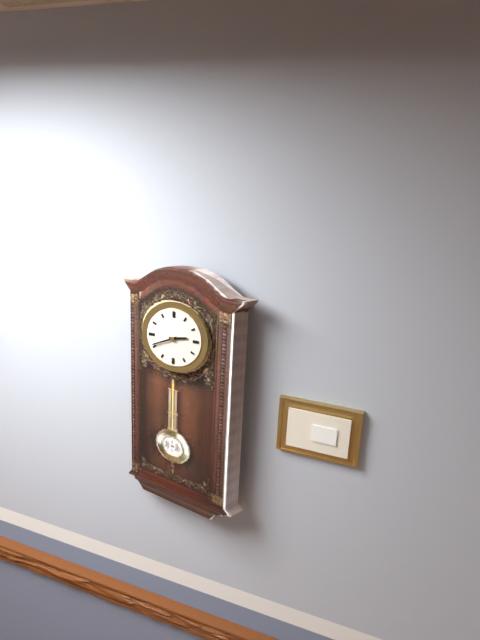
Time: {"hour": 2, "minute": 41}
